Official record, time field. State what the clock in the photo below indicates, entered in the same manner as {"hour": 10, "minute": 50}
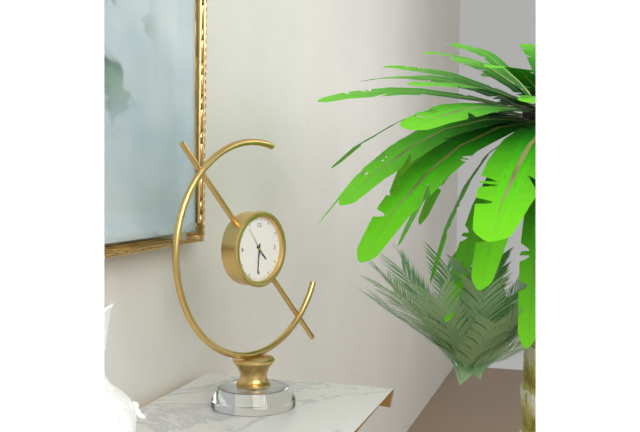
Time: {"hour": 4, "minute": 31}
